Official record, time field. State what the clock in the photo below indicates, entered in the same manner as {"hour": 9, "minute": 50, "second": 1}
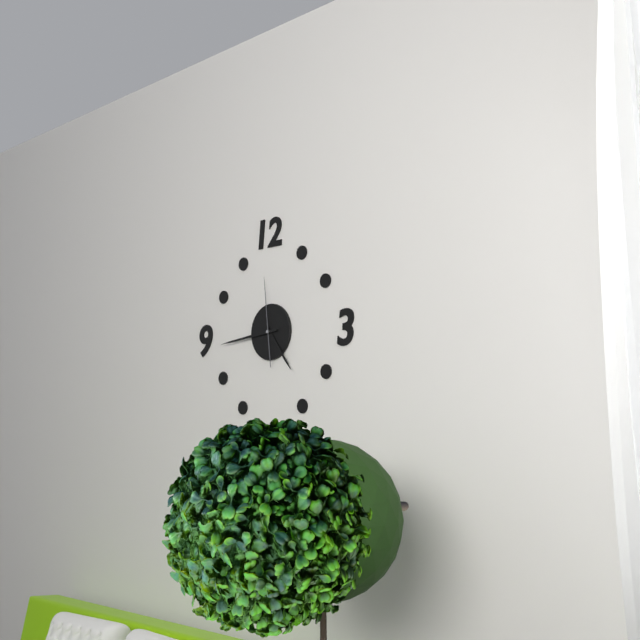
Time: {"hour": 4, "minute": 44, "second": 59}
